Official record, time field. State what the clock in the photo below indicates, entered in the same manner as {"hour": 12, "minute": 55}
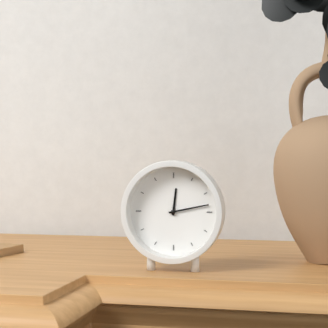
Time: {"hour": 12, "minute": 13}
